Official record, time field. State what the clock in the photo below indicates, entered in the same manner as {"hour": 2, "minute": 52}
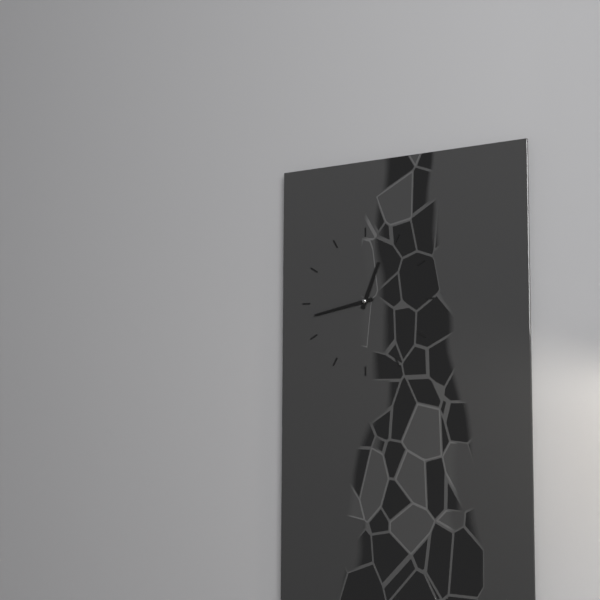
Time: {"hour": 12, "minute": 43}
